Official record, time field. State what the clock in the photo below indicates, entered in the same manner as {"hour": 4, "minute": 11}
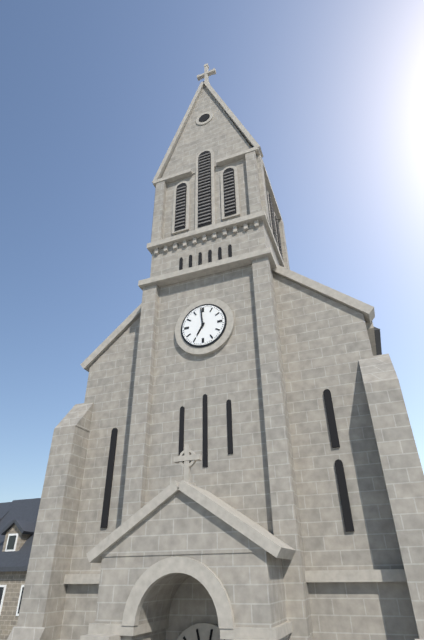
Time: {"hour": 6, "minute": 59}
